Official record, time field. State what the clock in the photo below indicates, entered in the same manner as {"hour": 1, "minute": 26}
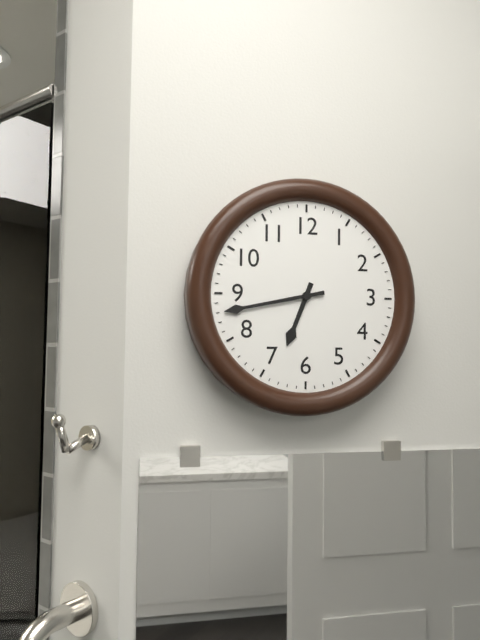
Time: {"hour": 6, "minute": 43}
